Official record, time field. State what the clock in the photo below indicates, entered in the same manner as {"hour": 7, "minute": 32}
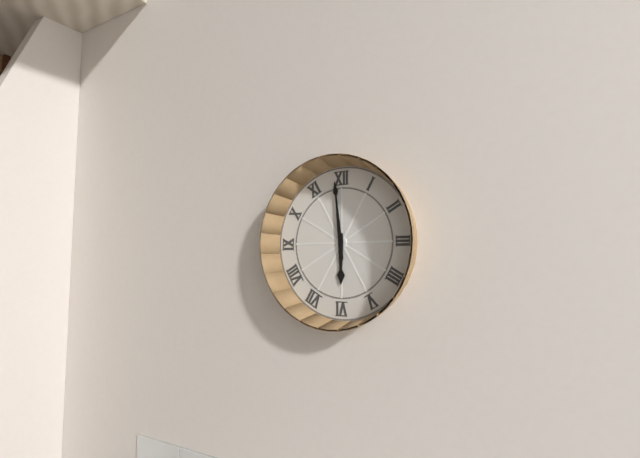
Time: {"hour": 5, "minute": 59}
